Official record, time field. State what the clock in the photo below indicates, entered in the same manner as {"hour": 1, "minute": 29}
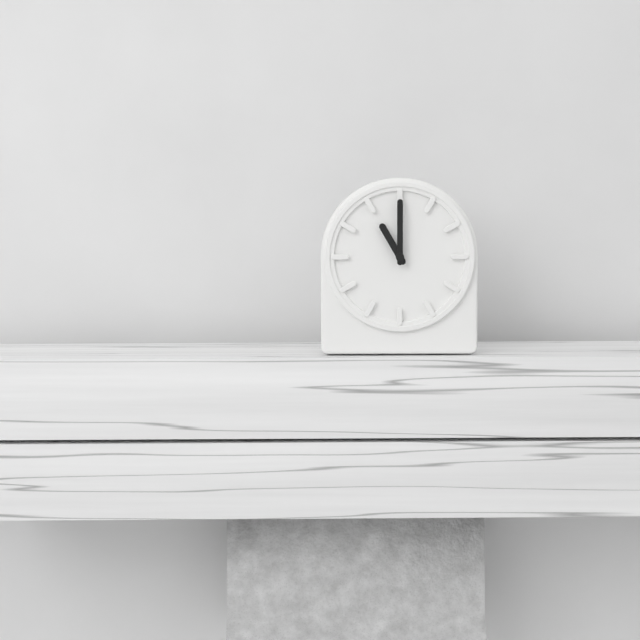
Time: {"hour": 11, "minute": 0}
